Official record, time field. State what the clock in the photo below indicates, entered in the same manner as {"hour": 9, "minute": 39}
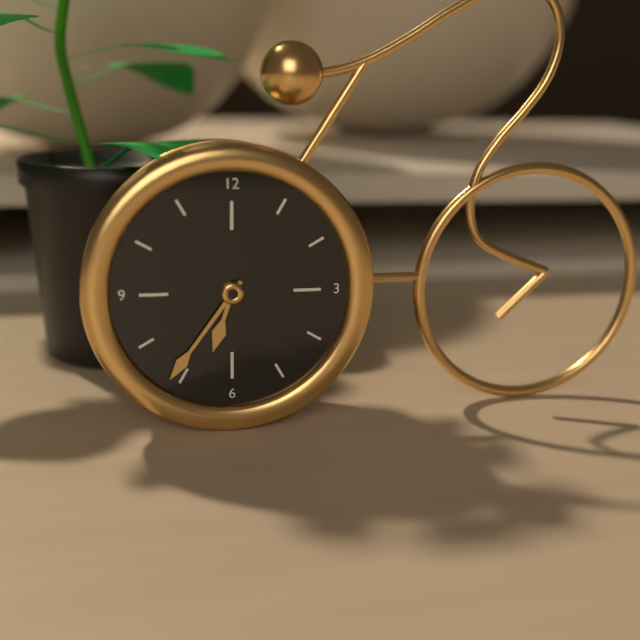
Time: {"hour": 6, "minute": 36}
